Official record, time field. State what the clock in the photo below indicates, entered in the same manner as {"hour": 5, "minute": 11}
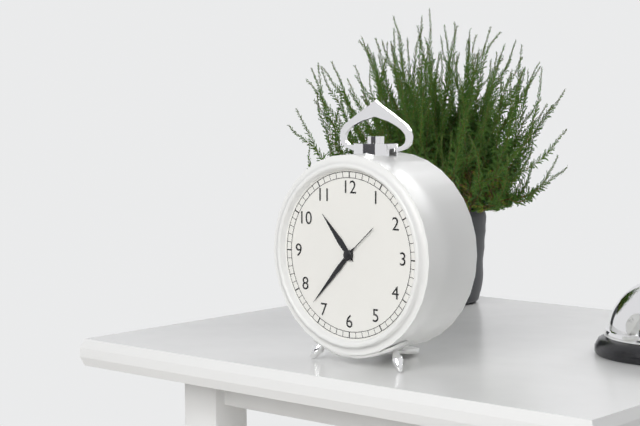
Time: {"hour": 10, "minute": 37}
